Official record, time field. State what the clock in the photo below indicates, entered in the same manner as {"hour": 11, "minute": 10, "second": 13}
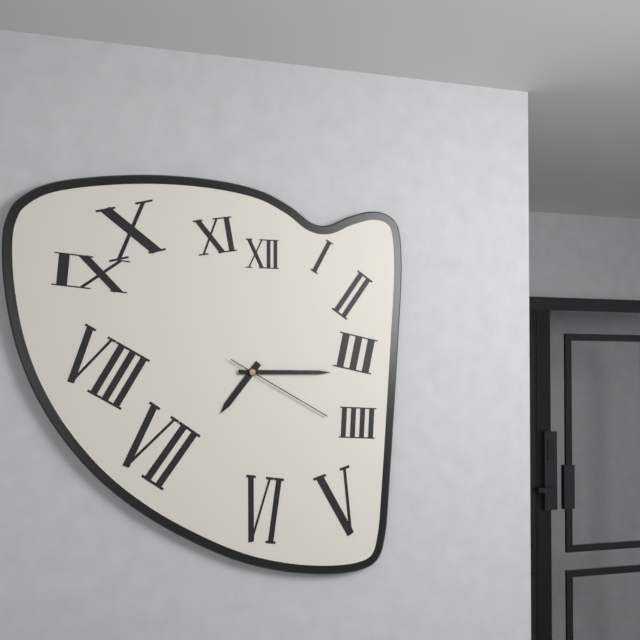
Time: {"hour": 7, "minute": 15, "second": 20}
